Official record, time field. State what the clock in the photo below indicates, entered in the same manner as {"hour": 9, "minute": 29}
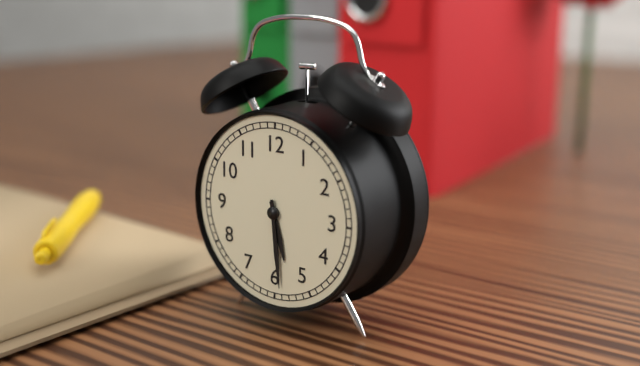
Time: {"hour": 5, "minute": 29}
